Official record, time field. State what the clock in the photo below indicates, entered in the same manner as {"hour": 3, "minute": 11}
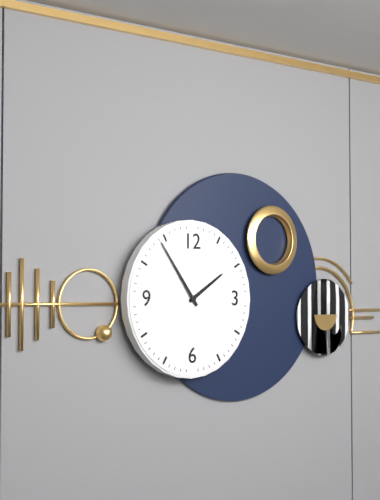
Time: {"hour": 1, "minute": 54}
